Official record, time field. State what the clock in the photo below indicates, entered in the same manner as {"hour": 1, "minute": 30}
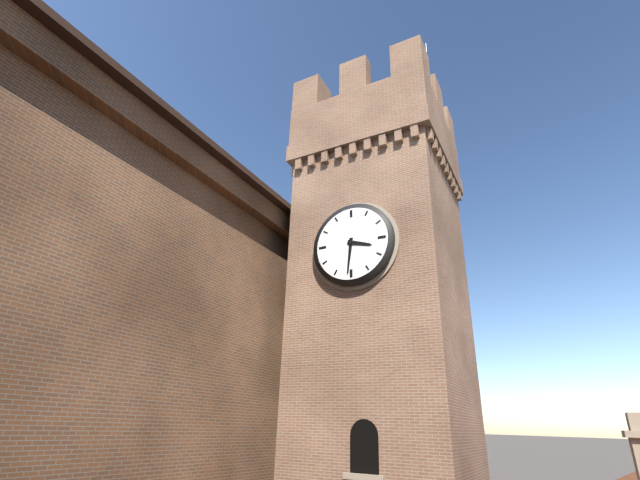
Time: {"hour": 3, "minute": 31}
